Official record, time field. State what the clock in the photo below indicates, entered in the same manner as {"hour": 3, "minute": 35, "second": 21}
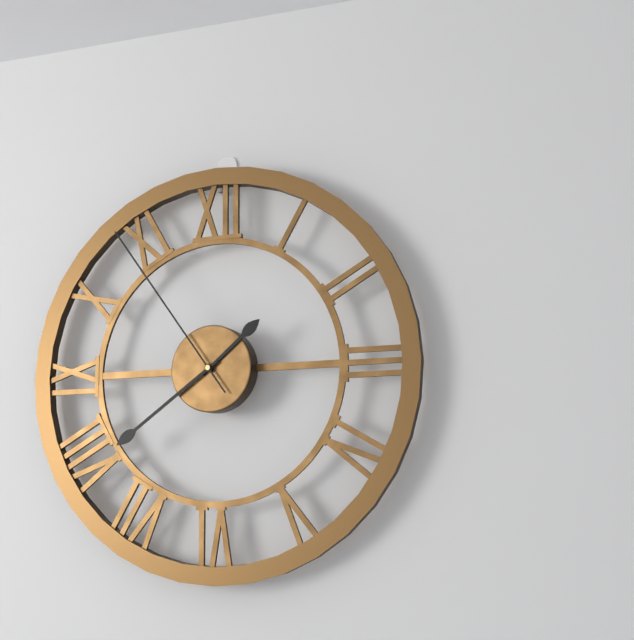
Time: {"hour": 1, "minute": 39, "second": 54}
